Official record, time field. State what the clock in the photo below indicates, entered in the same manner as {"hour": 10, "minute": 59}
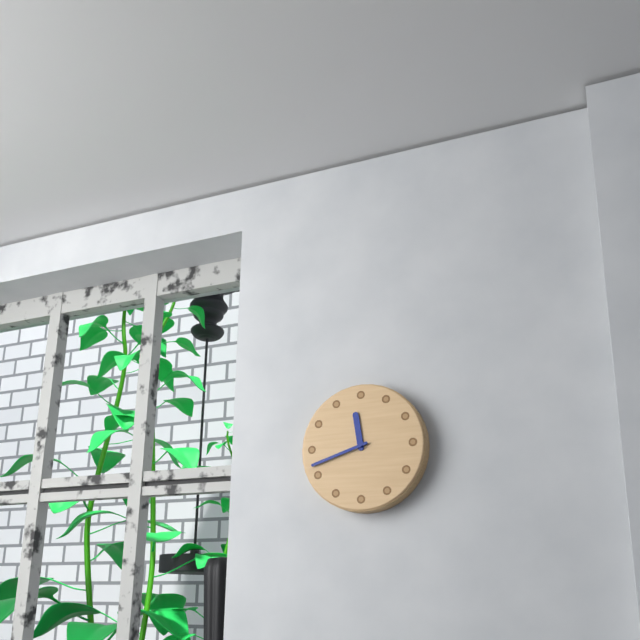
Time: {"hour": 11, "minute": 42}
